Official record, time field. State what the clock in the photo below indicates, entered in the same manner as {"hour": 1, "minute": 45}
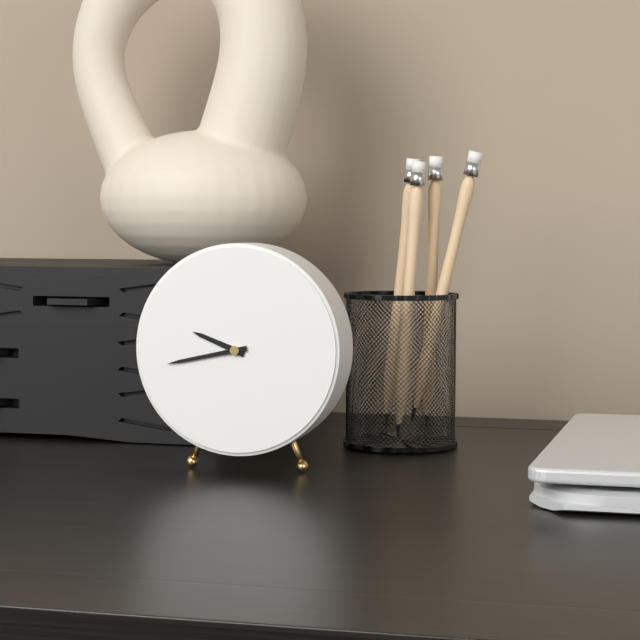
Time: {"hour": 9, "minute": 43}
